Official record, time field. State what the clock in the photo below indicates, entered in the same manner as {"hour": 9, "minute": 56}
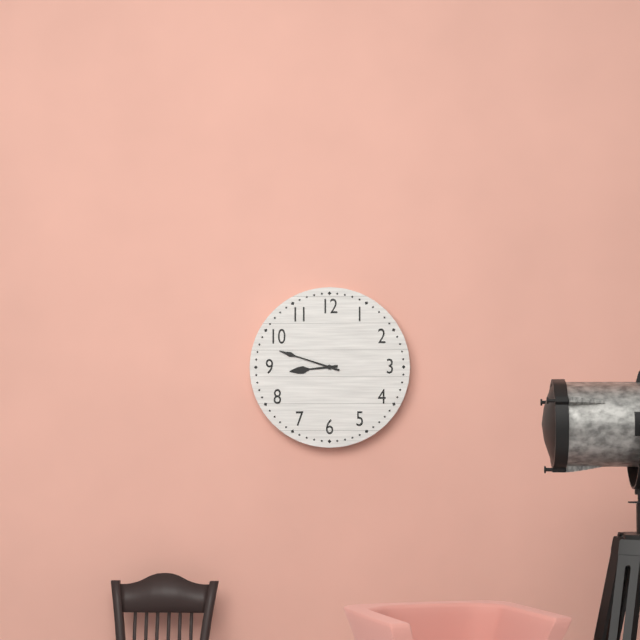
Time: {"hour": 8, "minute": 48}
